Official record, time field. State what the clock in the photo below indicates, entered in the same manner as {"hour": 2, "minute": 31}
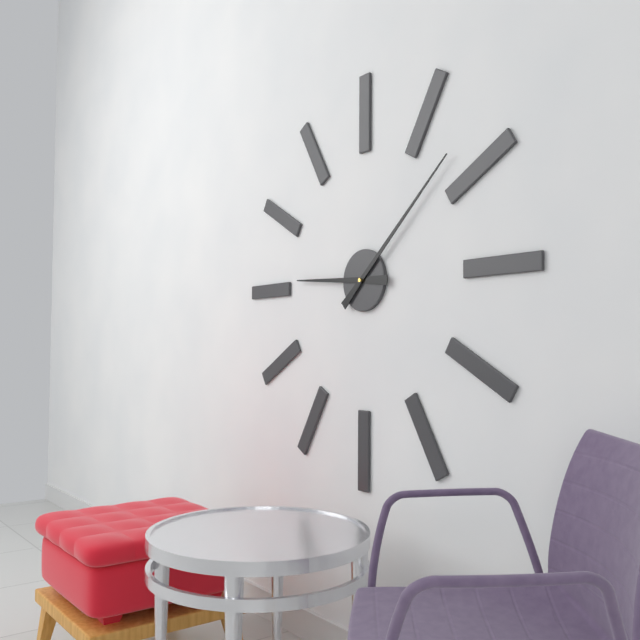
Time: {"hour": 9, "minute": 8}
